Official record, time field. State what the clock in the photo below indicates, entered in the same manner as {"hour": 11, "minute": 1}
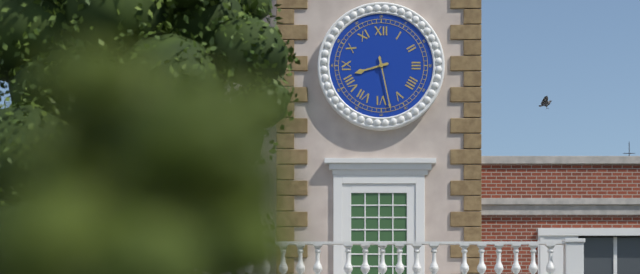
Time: {"hour": 8, "minute": 28}
